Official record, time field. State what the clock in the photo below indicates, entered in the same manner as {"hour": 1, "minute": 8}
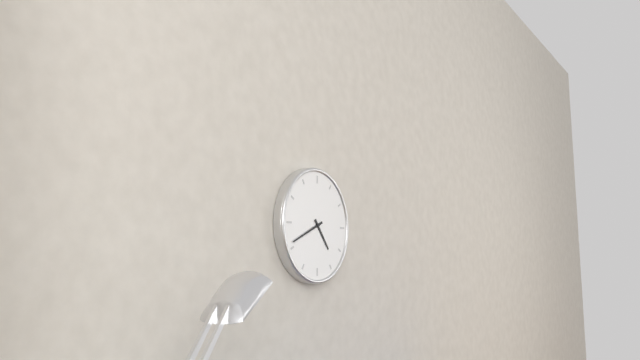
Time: {"hour": 4, "minute": 41}
